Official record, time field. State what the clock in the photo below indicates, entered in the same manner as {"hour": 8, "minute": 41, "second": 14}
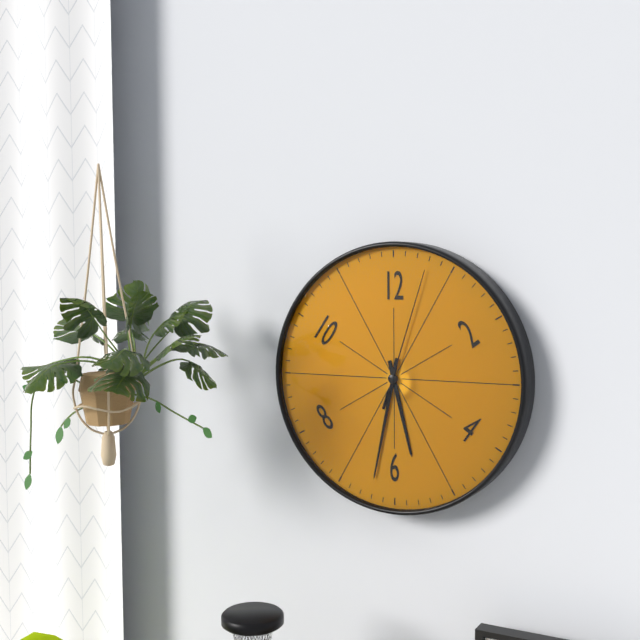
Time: {"hour": 5, "minute": 32, "second": 3}
